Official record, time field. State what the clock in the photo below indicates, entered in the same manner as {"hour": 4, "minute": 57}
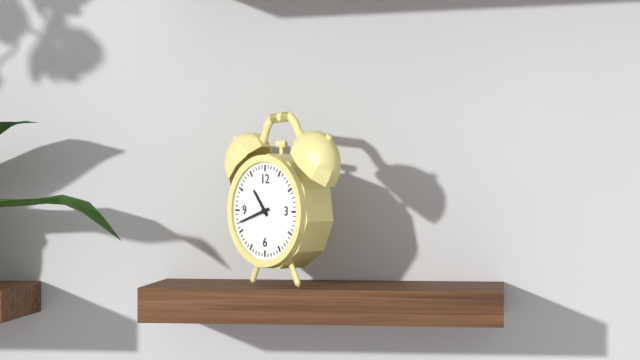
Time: {"hour": 10, "minute": 42}
